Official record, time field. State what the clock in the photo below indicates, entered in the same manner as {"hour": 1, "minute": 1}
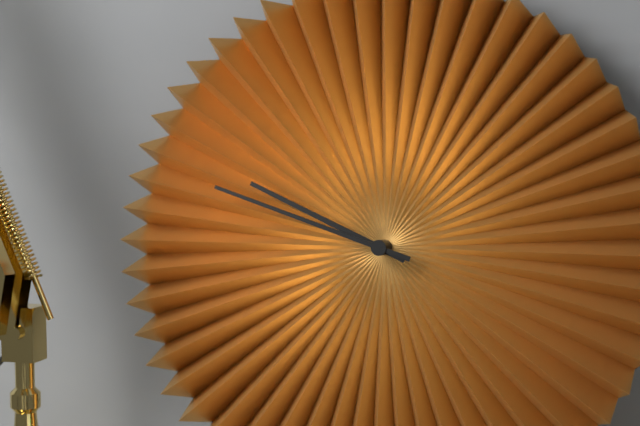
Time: {"hour": 9, "minute": 48}
